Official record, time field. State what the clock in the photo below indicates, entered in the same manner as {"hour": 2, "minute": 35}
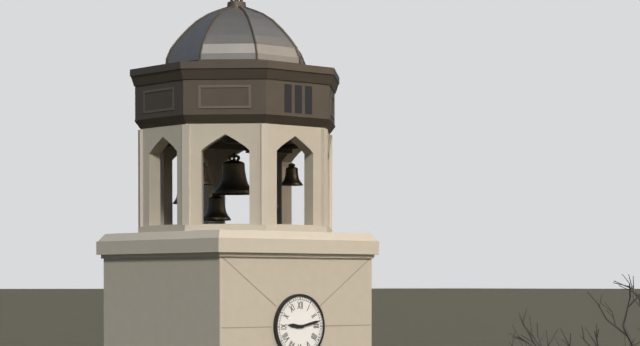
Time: {"hour": 9, "minute": 13}
